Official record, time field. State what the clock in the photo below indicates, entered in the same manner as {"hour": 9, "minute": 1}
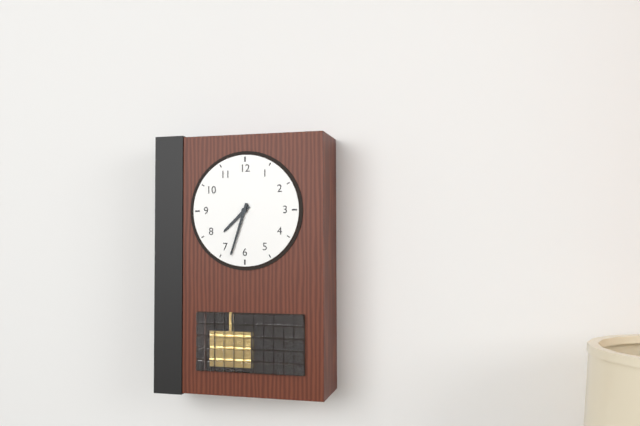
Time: {"hour": 7, "minute": 33}
